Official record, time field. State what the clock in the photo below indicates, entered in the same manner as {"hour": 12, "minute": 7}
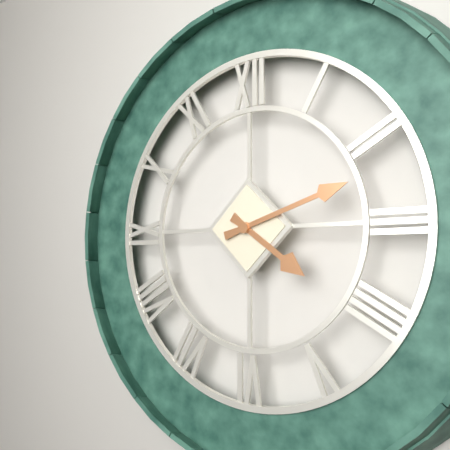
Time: {"hour": 4, "minute": 12}
